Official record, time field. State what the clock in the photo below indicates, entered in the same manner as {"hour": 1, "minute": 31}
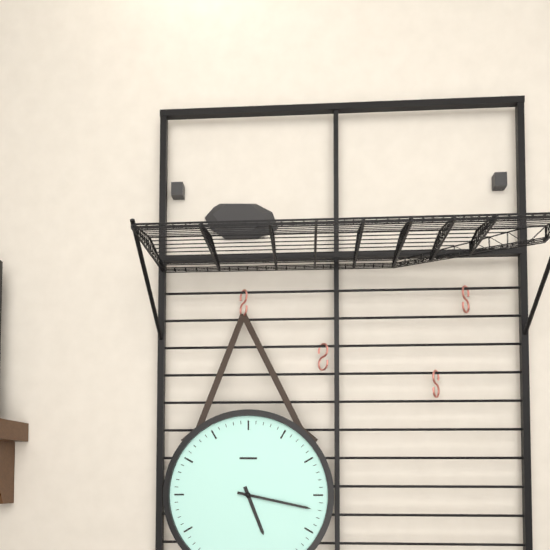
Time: {"hour": 5, "minute": 17}
